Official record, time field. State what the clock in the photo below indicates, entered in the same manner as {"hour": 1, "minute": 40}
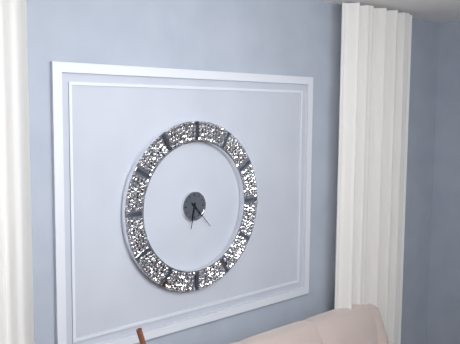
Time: {"hour": 6, "minute": 23}
